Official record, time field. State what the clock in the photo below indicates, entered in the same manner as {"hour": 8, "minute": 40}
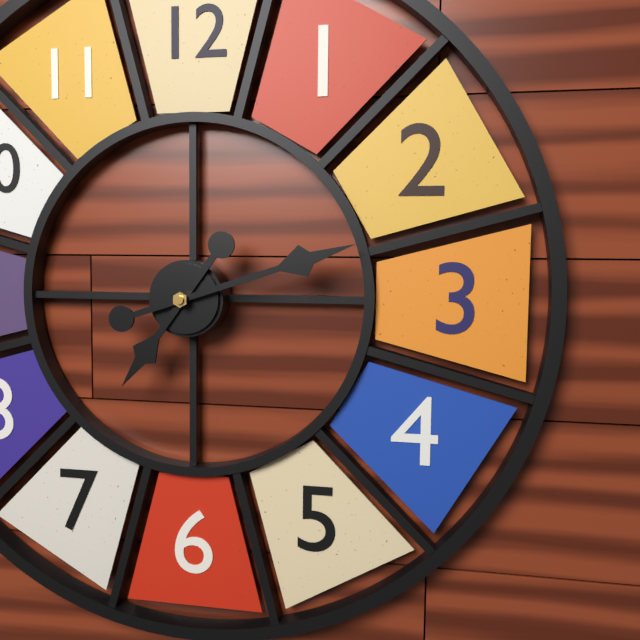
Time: {"hour": 7, "minute": 12}
